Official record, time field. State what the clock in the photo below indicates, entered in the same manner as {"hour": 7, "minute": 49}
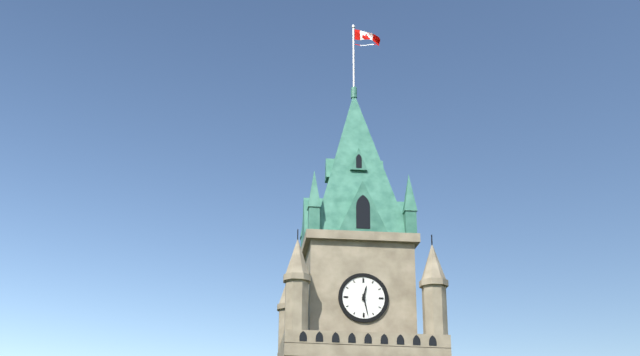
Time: {"hour": 12, "minute": 28}
